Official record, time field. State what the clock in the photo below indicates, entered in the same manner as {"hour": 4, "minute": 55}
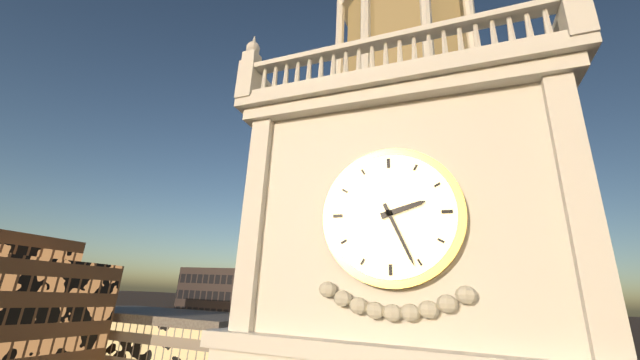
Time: {"hour": 2, "minute": 26}
